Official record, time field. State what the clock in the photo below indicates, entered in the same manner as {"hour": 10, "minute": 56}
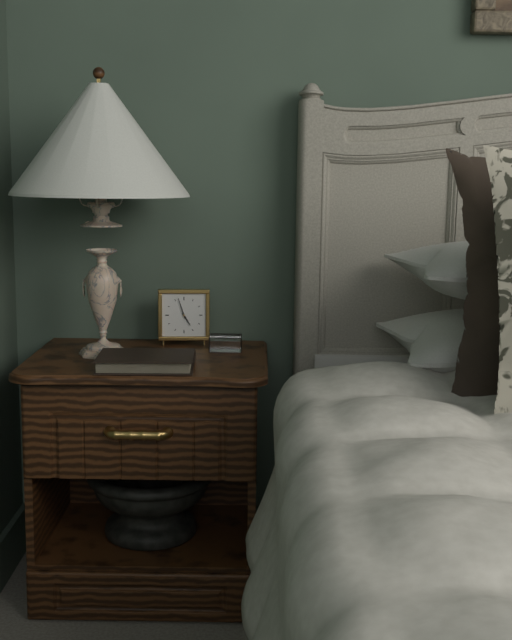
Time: {"hour": 4, "minute": 57}
